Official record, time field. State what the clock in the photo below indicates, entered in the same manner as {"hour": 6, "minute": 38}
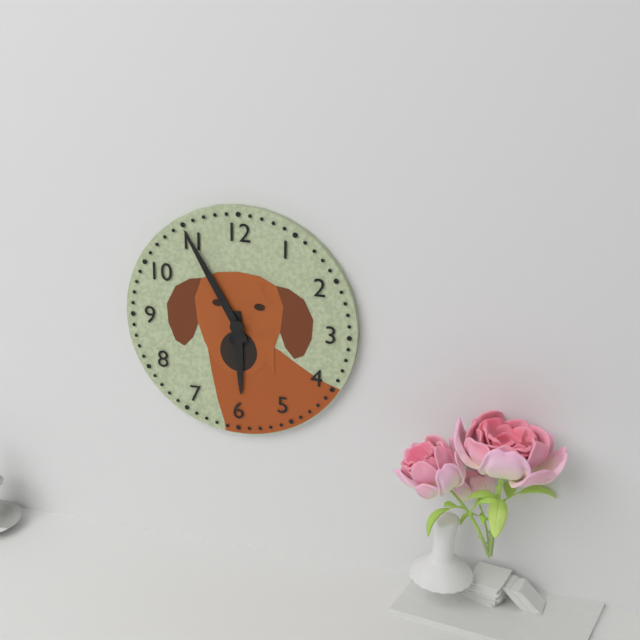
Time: {"hour": 5, "minute": 55}
